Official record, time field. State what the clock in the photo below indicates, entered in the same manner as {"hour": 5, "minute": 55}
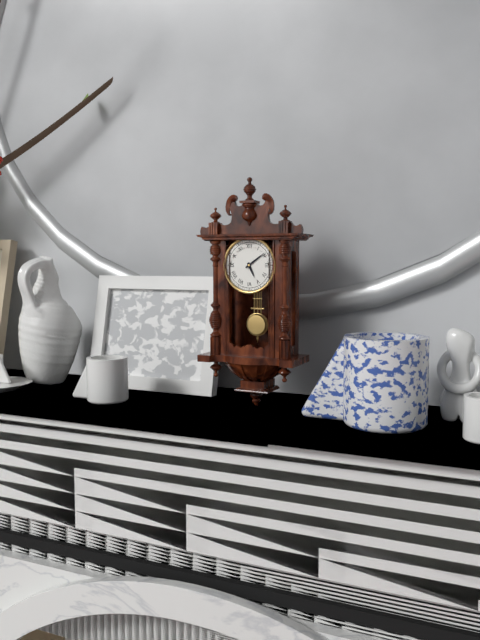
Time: {"hour": 5, "minute": 9}
